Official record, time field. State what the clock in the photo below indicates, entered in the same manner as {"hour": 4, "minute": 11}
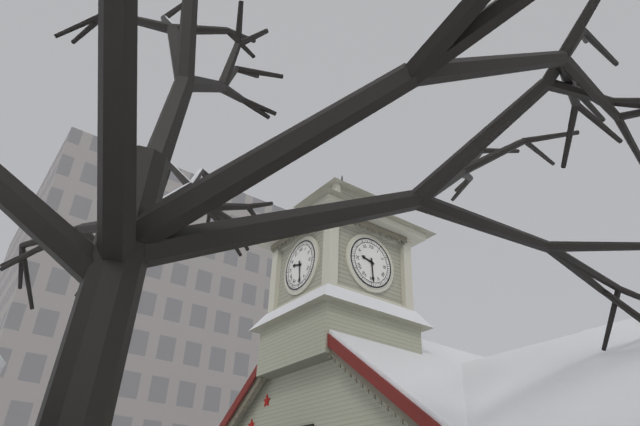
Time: {"hour": 9, "minute": 29}
